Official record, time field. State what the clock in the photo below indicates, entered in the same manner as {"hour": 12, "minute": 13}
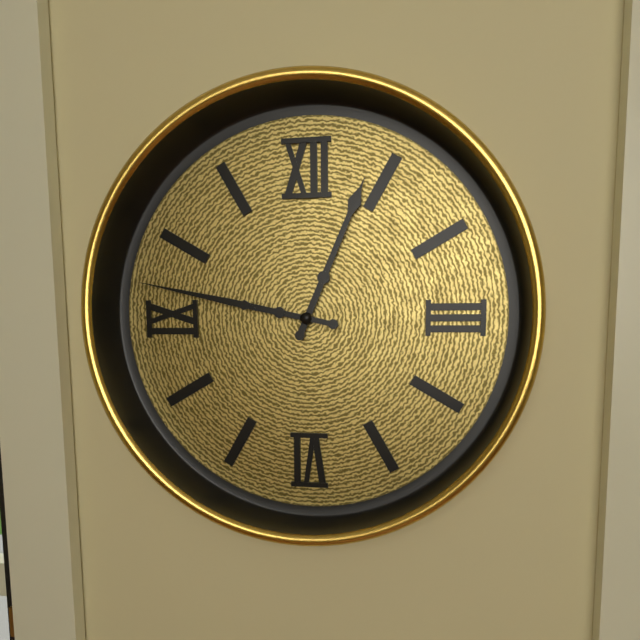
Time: {"hour": 12, "minute": 47}
